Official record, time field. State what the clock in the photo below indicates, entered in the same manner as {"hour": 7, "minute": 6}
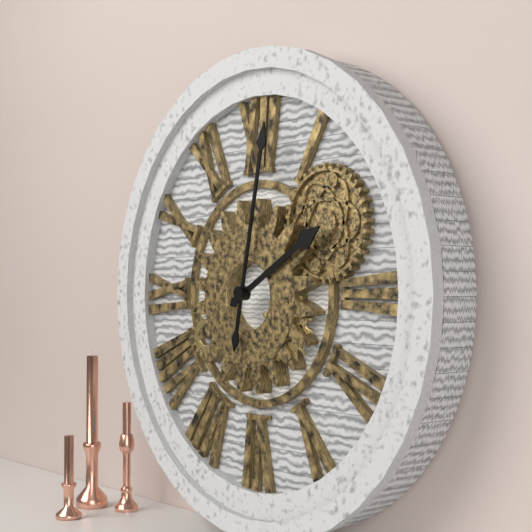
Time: {"hour": 2, "minute": 2}
